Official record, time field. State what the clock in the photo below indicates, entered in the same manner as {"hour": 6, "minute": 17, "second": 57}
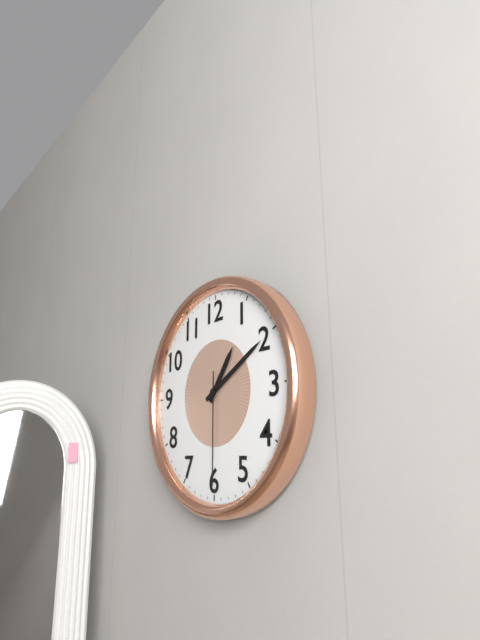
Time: {"hour": 1, "minute": 10, "second": 30}
